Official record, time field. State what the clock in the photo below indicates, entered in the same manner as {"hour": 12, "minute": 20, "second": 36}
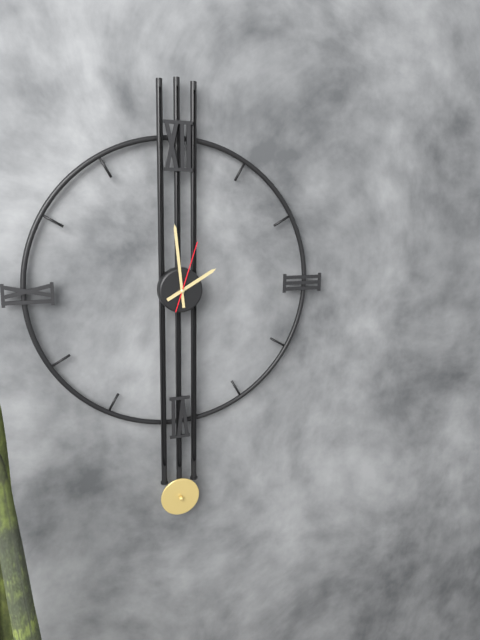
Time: {"hour": 1, "minute": 59, "second": 3}
